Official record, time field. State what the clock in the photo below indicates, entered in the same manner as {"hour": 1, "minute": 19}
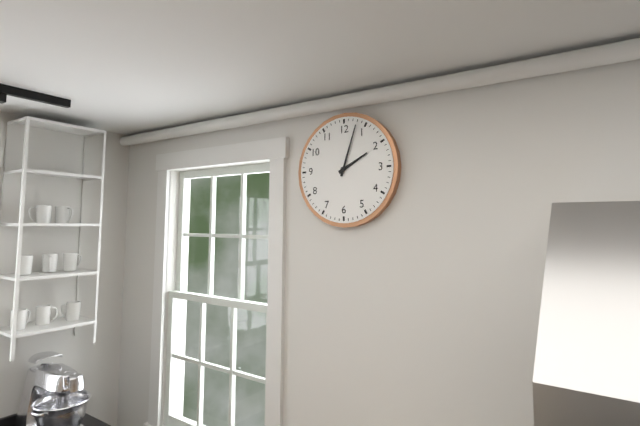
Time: {"hour": 2, "minute": 3}
